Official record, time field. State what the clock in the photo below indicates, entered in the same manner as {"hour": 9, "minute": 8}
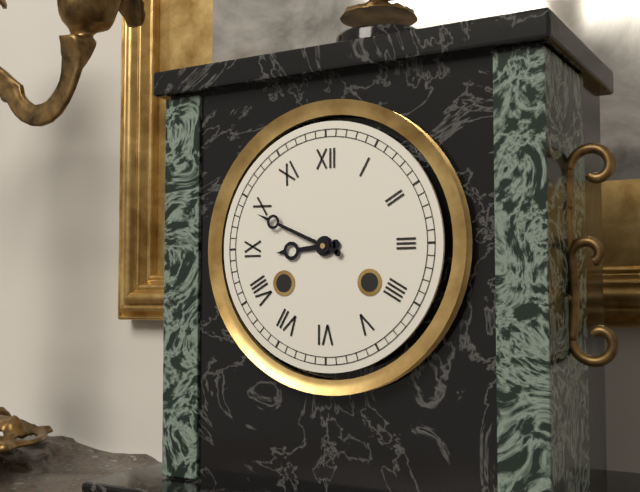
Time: {"hour": 8, "minute": 49}
